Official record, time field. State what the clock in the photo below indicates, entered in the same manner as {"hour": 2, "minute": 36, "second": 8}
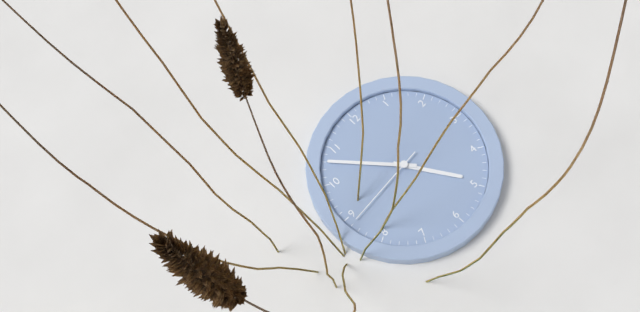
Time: {"hour": 4, "minute": 53, "second": 44}
